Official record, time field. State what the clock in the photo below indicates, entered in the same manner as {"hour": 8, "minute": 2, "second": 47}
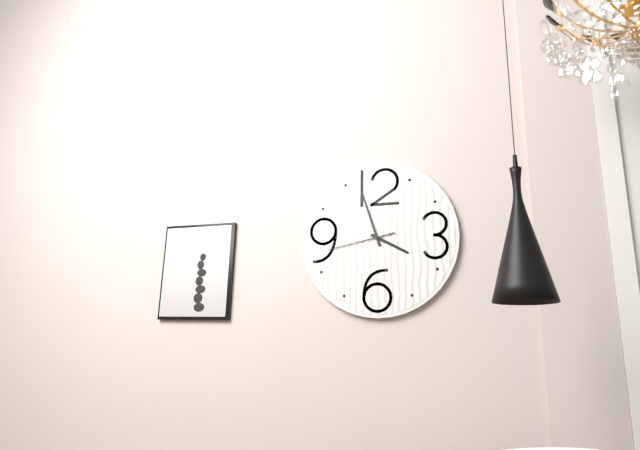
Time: {"hour": 3, "minute": 57, "second": 43}
